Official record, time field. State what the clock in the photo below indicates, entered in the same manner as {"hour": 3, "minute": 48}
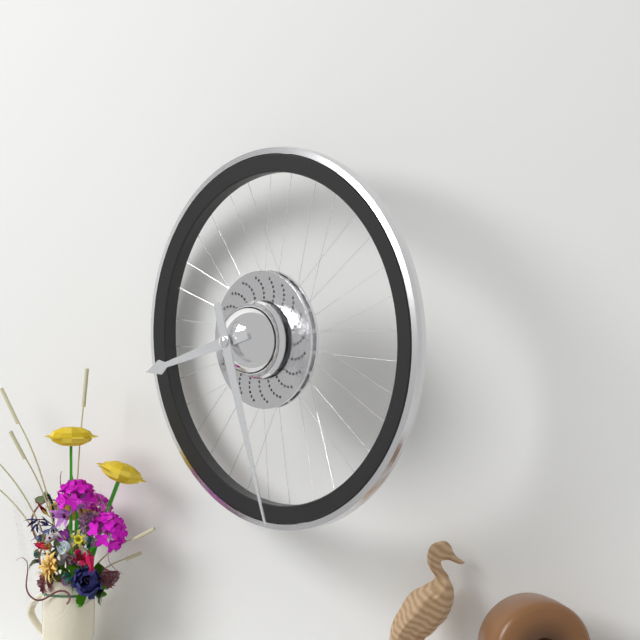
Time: {"hour": 8, "minute": 27}
